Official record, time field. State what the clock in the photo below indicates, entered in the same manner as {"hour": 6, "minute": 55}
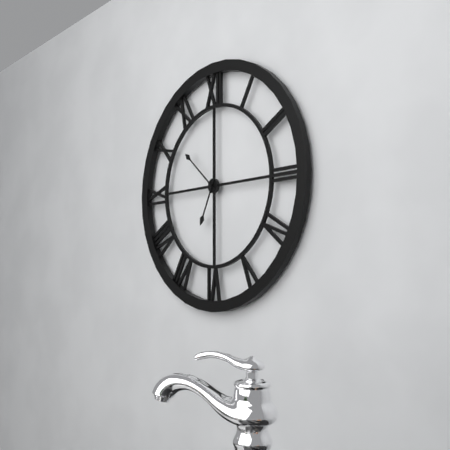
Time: {"hour": 6, "minute": 52}
